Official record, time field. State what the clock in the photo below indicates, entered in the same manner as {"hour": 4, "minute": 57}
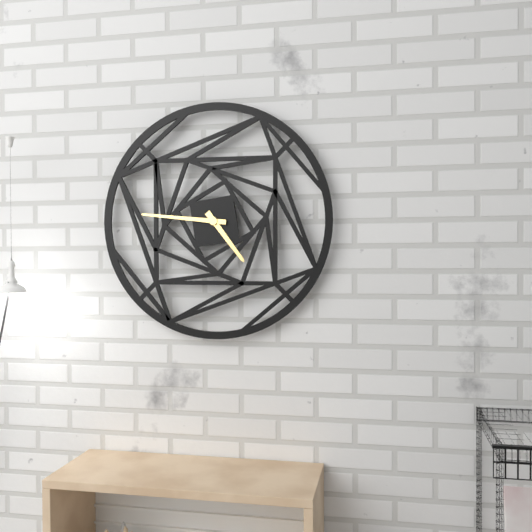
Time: {"hour": 4, "minute": 46}
